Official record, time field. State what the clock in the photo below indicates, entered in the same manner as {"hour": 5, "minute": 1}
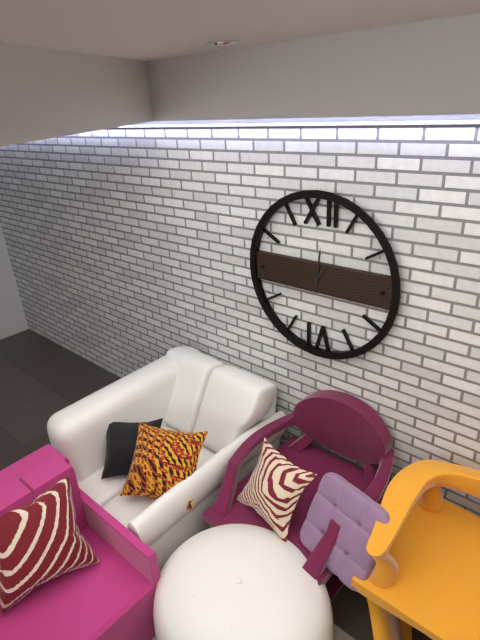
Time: {"hour": 1, "minute": 1}
